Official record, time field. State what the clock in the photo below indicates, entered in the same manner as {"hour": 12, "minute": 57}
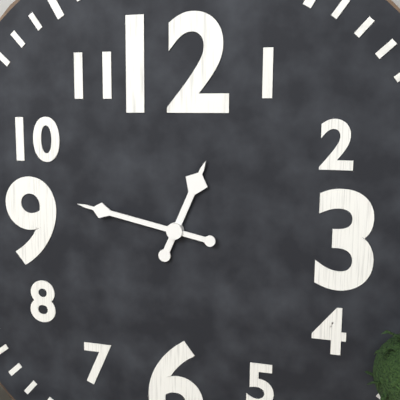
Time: {"hour": 12, "minute": 47}
